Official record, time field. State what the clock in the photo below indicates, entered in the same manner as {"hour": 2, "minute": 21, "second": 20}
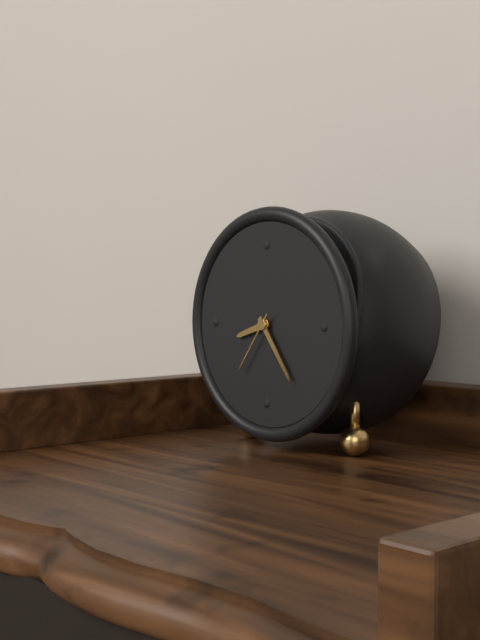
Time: {"hour": 8, "minute": 24, "second": 36}
